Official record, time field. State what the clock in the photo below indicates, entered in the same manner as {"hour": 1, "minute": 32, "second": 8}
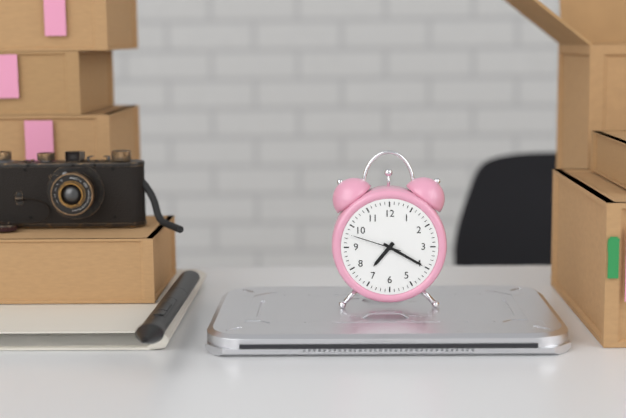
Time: {"hour": 7, "minute": 20, "second": 48}
